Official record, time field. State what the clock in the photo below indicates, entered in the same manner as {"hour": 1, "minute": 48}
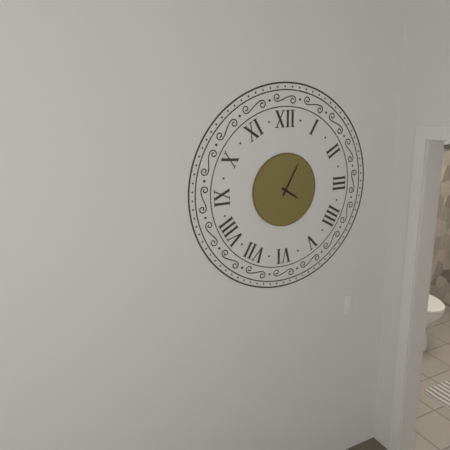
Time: {"hour": 4, "minute": 5}
